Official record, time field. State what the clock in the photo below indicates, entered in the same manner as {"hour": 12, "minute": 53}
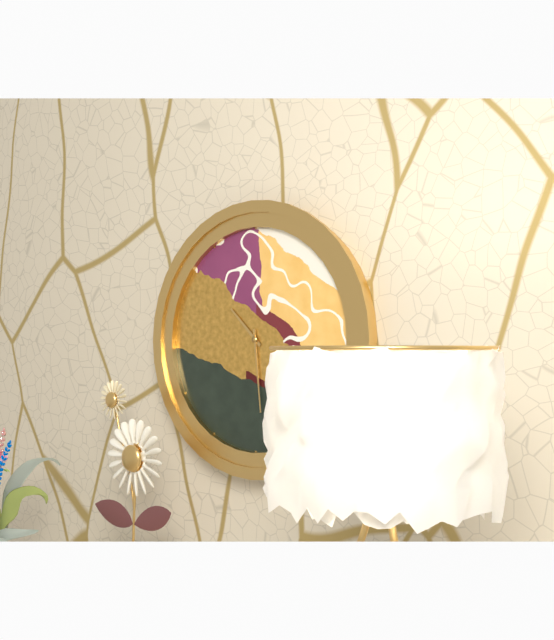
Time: {"hour": 10, "minute": 29}
